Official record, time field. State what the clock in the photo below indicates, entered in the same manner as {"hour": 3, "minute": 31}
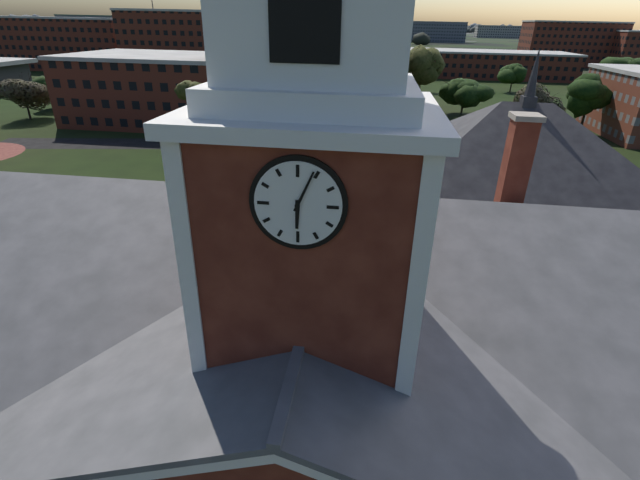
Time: {"hour": 6, "minute": 4}
